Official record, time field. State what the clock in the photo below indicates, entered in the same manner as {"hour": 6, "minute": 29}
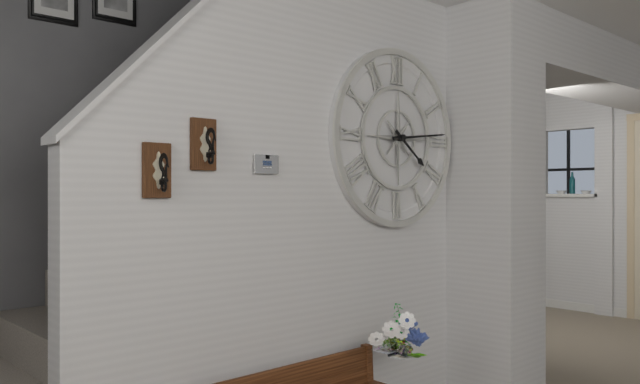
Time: {"hour": 4, "minute": 14}
